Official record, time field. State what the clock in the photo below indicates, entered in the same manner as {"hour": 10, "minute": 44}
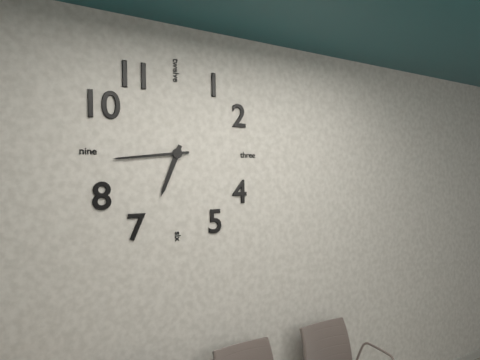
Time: {"hour": 6, "minute": 44}
